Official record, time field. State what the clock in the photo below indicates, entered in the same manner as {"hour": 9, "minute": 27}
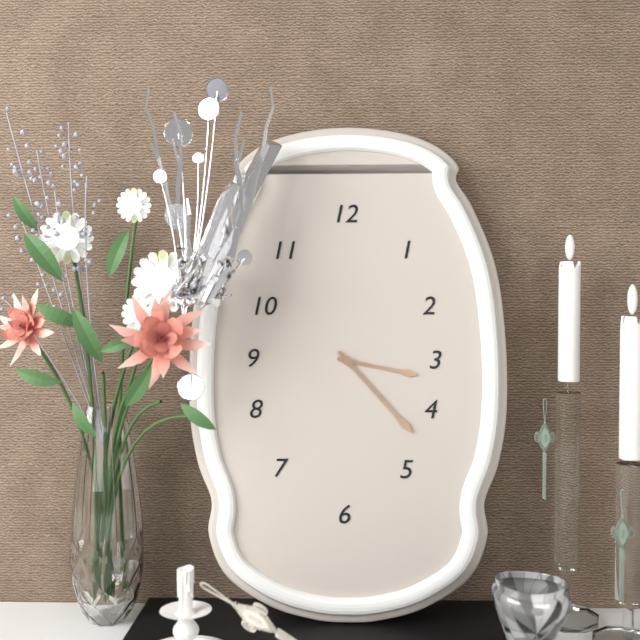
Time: {"hour": 3, "minute": 23}
